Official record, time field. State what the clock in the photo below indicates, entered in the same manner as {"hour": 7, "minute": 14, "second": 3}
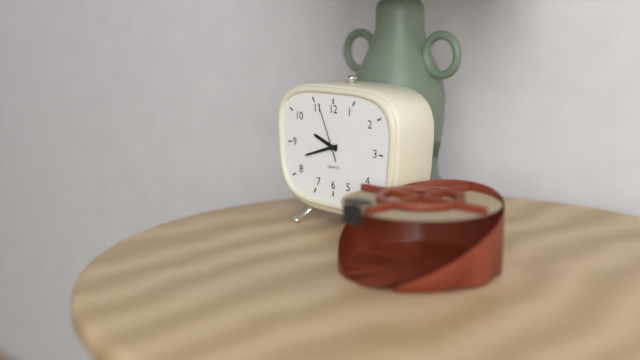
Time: {"hour": 9, "minute": 42, "second": 56}
